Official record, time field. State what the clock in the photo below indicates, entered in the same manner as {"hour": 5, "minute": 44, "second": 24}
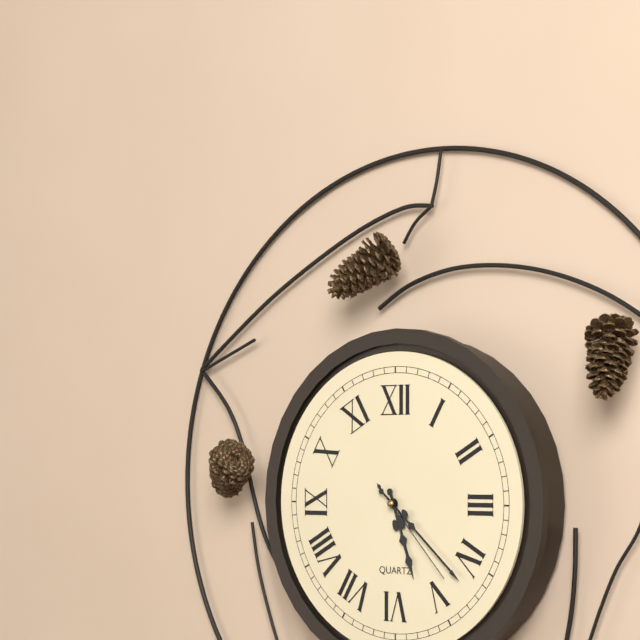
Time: {"hour": 5, "minute": 22, "second": 23}
